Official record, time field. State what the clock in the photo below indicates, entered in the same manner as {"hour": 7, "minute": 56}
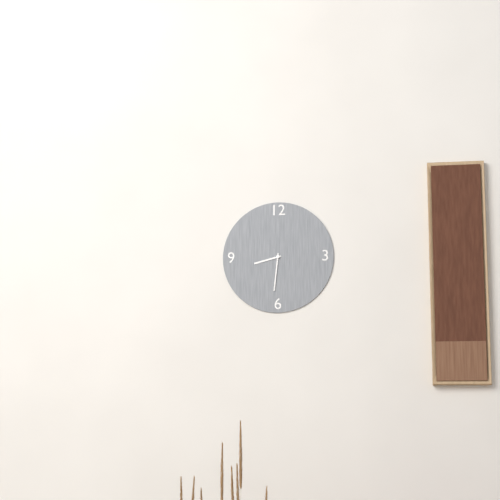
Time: {"hour": 8, "minute": 31}
